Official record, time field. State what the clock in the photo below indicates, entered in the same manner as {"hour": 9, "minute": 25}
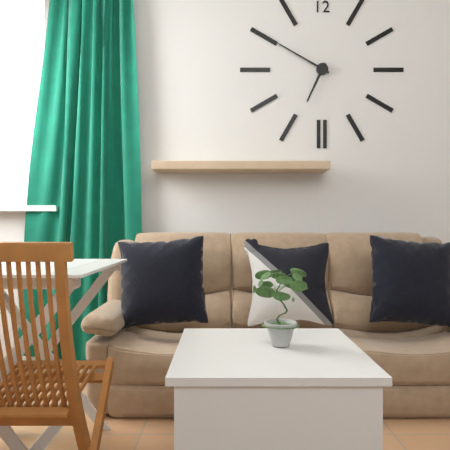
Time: {"hour": 6, "minute": 50}
